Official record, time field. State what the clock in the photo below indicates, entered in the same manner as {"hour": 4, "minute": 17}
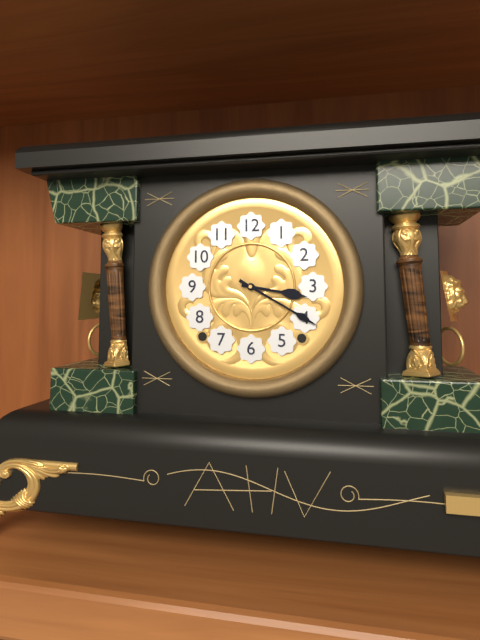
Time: {"hour": 3, "minute": 20}
